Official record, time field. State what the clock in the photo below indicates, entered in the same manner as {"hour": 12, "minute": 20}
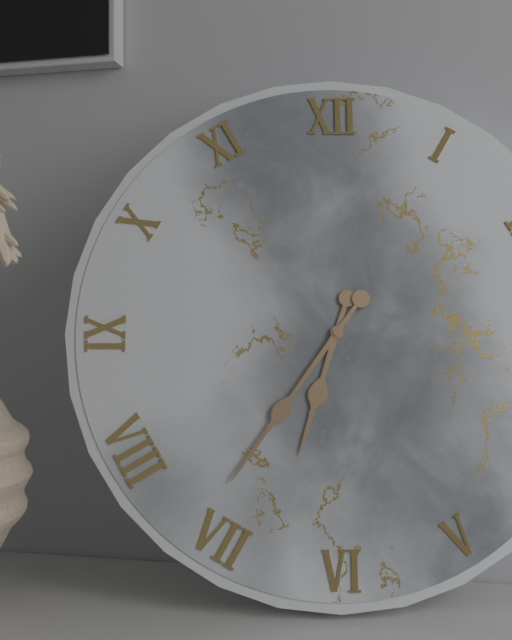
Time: {"hour": 6, "minute": 36}
